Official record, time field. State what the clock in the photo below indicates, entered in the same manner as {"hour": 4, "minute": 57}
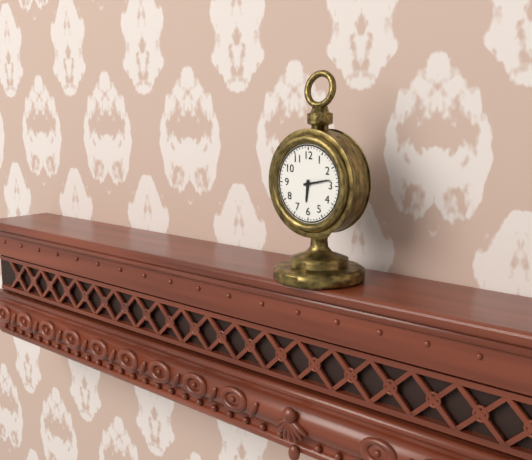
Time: {"hour": 6, "minute": 13}
